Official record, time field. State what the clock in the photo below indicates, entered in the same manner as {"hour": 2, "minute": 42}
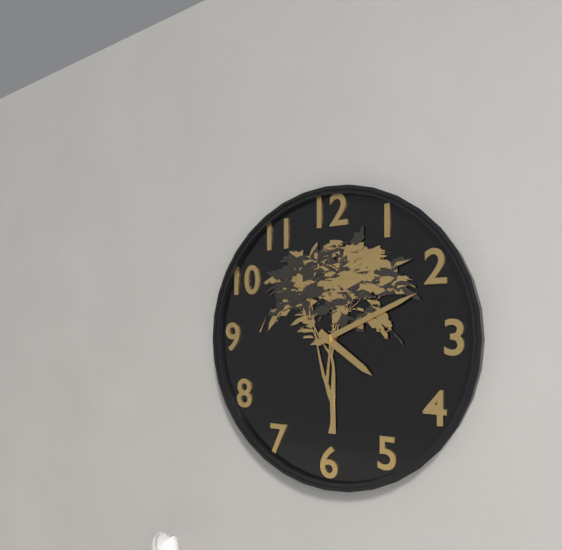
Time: {"hour": 4, "minute": 11}
